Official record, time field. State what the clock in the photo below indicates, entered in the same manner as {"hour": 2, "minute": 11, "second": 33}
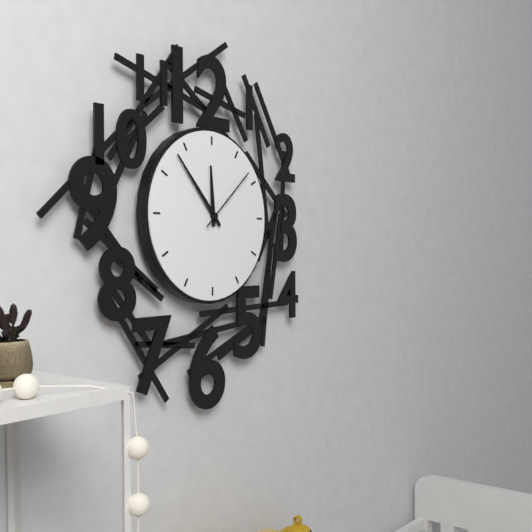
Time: {"hour": 11, "minute": 53, "second": 8}
